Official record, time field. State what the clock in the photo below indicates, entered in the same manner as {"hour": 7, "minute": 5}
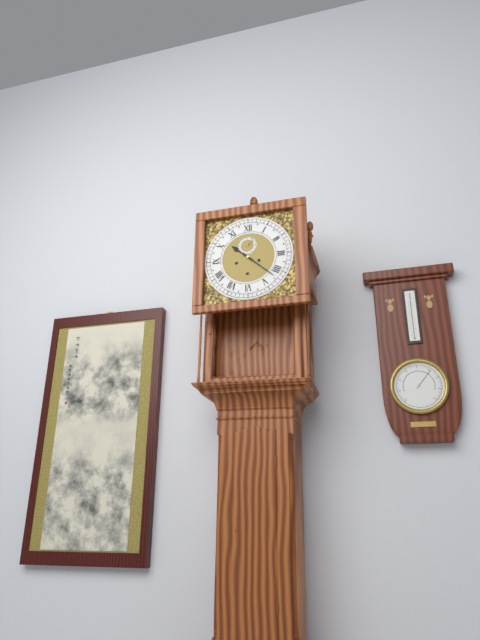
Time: {"hour": 10, "minute": 22}
